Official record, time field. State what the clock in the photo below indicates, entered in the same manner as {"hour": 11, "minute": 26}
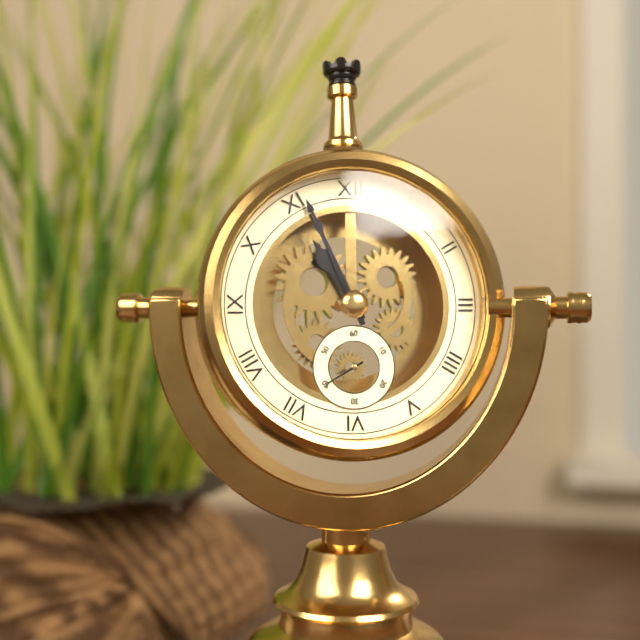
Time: {"hour": 10, "minute": 56}
